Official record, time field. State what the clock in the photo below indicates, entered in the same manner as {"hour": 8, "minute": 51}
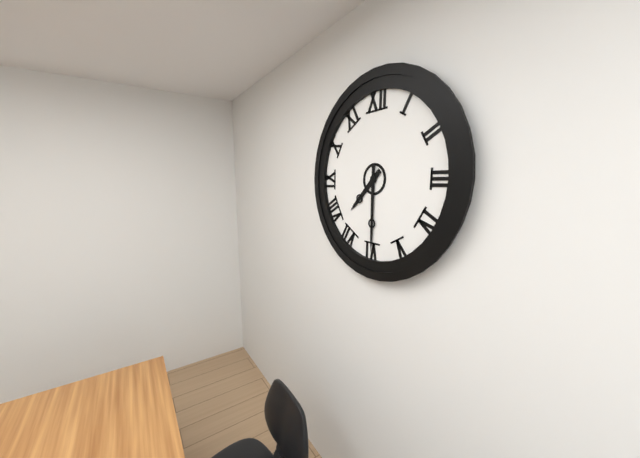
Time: {"hour": 7, "minute": 30}
